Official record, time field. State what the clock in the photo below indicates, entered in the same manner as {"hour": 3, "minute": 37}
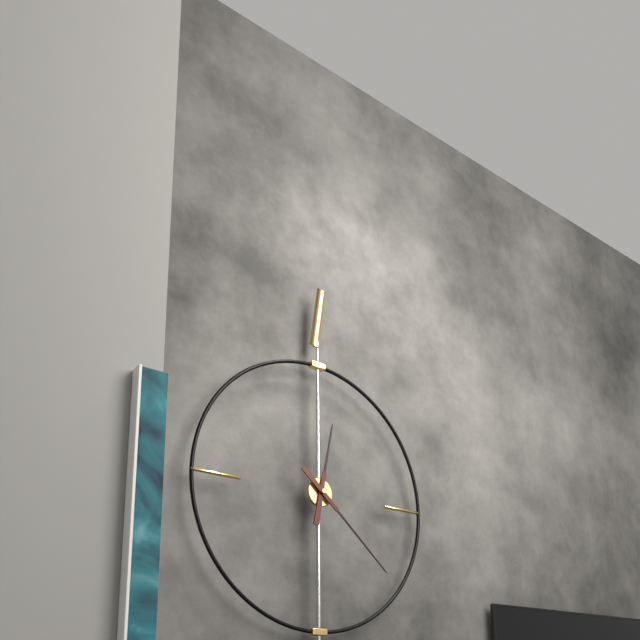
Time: {"hour": 12, "minute": 22}
